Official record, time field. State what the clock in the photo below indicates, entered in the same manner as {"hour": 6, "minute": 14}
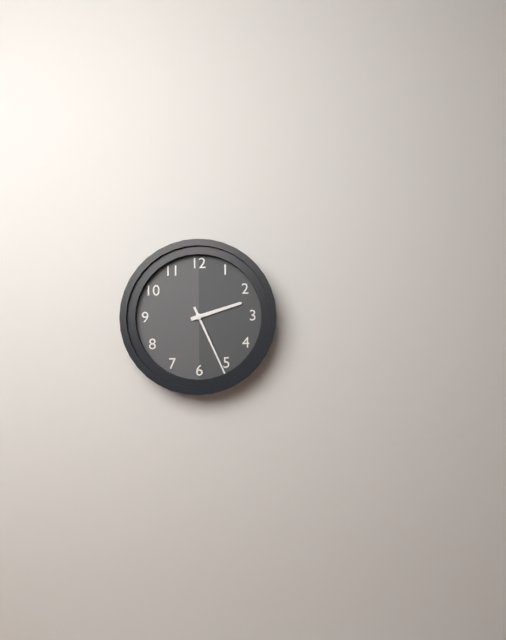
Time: {"hour": 2, "minute": 26}
